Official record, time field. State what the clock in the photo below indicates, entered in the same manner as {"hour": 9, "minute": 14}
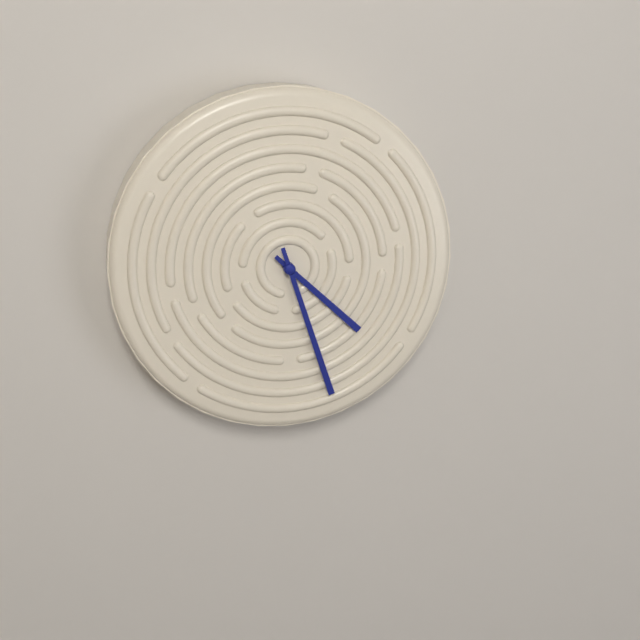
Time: {"hour": 4, "minute": 27}
